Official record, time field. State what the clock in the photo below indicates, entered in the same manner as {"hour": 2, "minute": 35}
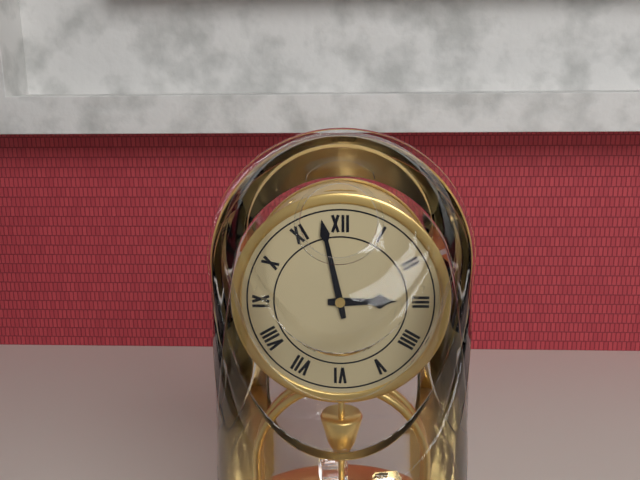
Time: {"hour": 2, "minute": 58}
